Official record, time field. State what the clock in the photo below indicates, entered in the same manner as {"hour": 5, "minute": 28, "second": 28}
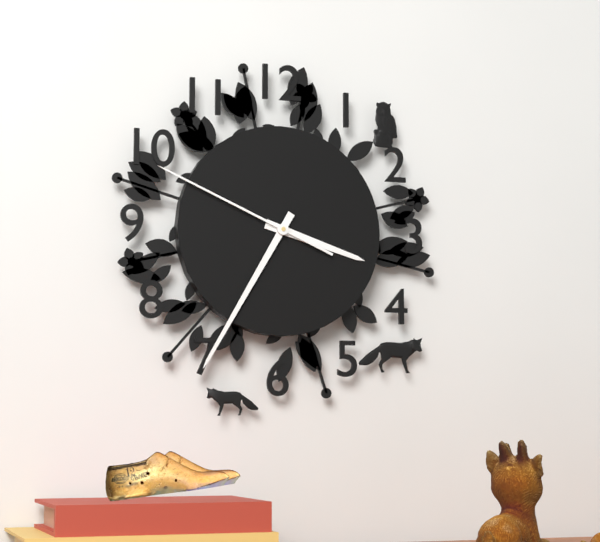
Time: {"hour": 3, "minute": 35, "second": 49}
